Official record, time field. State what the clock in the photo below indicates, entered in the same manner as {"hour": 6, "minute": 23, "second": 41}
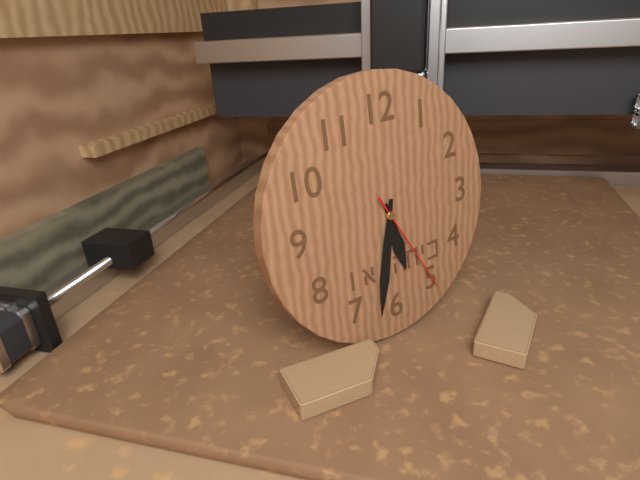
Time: {"hour": 5, "minute": 32, "second": 25}
